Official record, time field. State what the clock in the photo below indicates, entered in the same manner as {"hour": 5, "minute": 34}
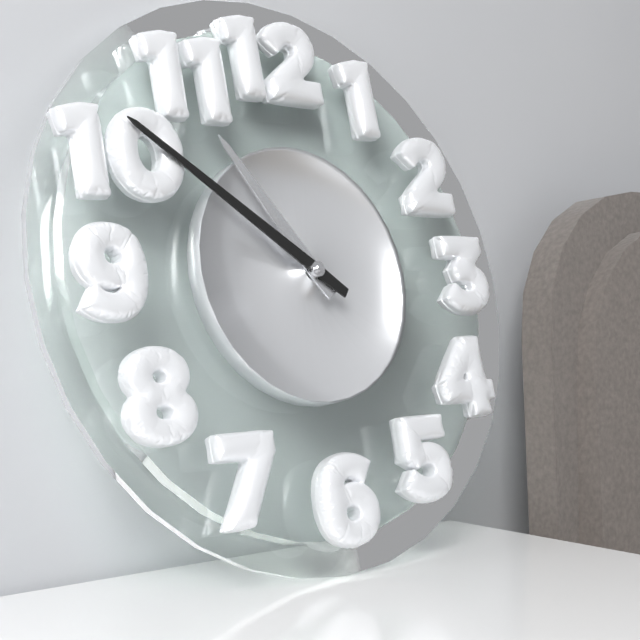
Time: {"hour": 10, "minute": 51}
